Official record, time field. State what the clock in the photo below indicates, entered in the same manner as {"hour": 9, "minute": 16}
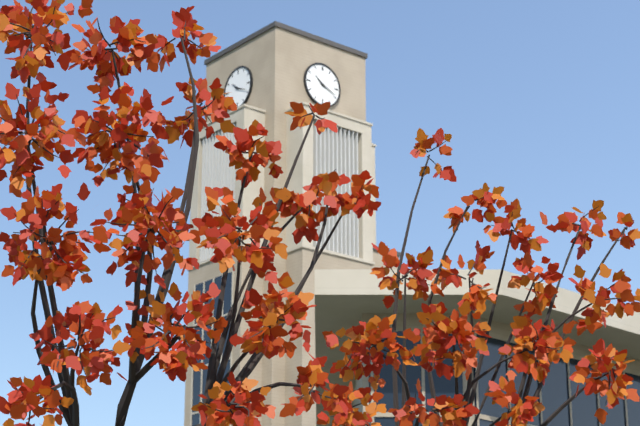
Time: {"hour": 10, "minute": 19}
